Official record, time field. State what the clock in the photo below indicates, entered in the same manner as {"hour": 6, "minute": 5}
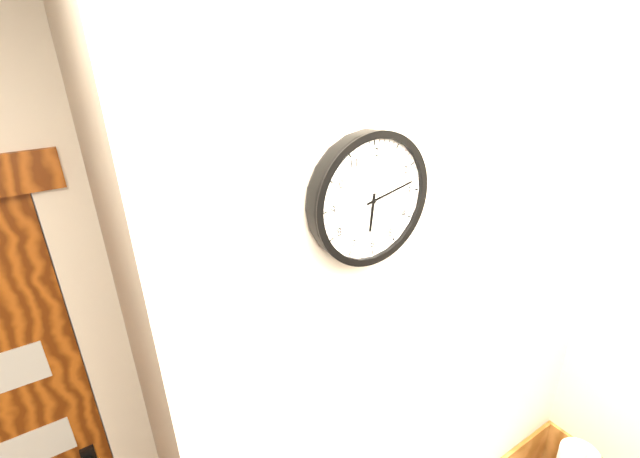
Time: {"hour": 6, "minute": 13}
